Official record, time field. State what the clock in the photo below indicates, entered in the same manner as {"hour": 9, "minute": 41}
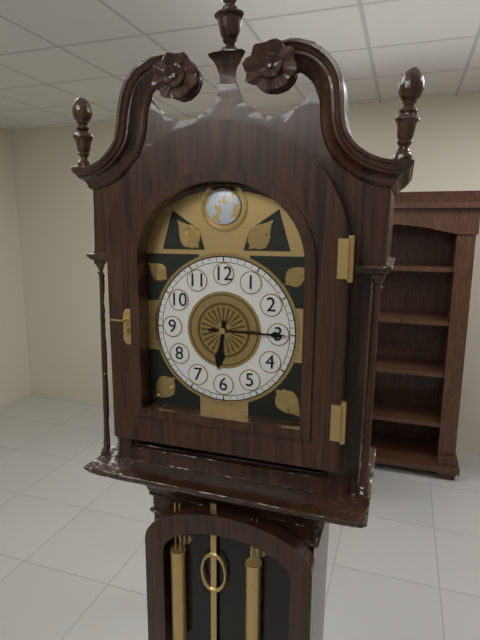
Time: {"hour": 6, "minute": 15}
